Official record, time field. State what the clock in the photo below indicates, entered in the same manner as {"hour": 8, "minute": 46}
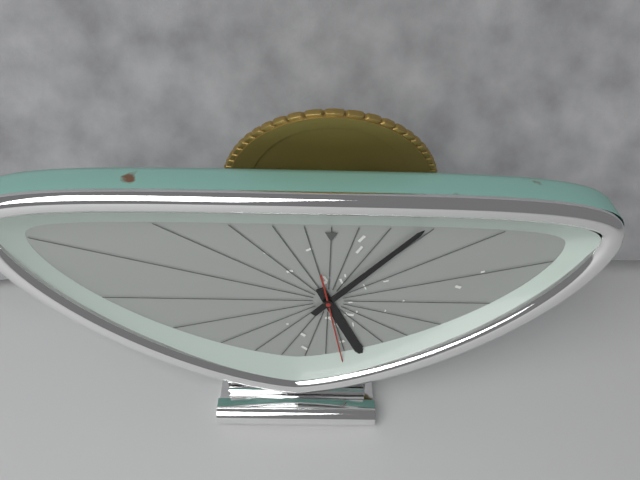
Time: {"hour": 5, "minute": 7}
